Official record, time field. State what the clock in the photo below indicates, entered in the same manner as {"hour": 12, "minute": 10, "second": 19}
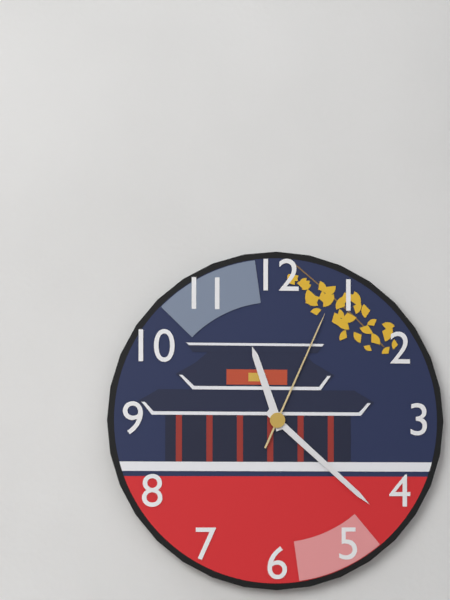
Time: {"hour": 11, "minute": 22, "second": 4}
